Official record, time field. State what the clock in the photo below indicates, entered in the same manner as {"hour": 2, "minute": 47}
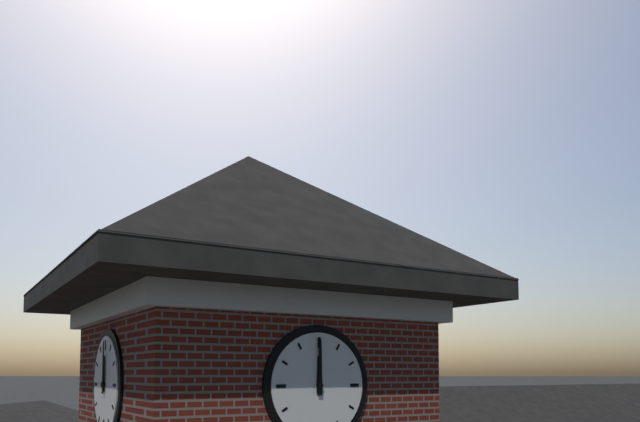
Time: {"hour": 12, "minute": 0}
